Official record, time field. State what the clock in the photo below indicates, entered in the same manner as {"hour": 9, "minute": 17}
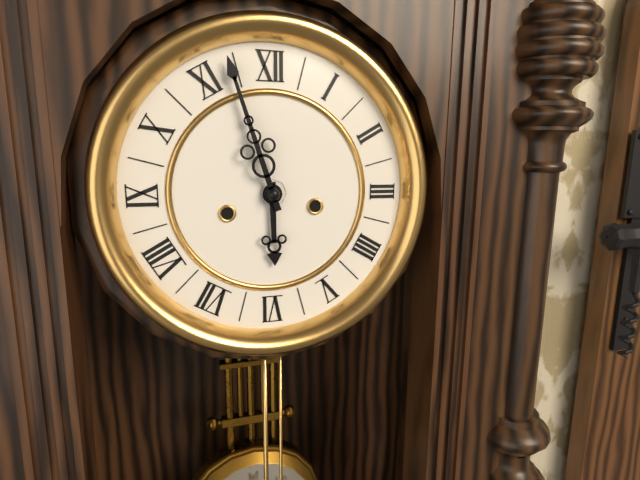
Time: {"hour": 5, "minute": 57}
